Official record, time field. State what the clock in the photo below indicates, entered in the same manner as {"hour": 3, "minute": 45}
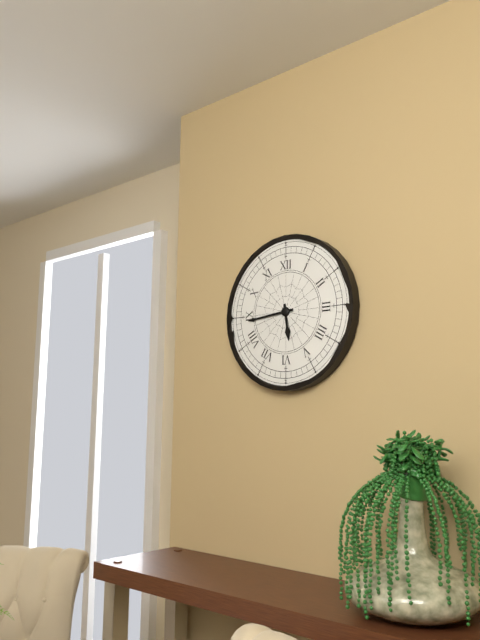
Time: {"hour": 5, "minute": 44}
